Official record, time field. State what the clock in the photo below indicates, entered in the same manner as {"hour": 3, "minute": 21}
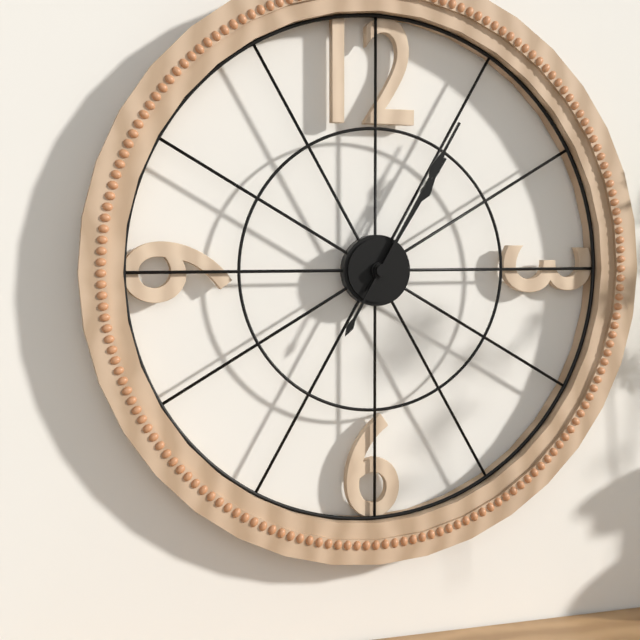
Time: {"hour": 1, "minute": 5}
